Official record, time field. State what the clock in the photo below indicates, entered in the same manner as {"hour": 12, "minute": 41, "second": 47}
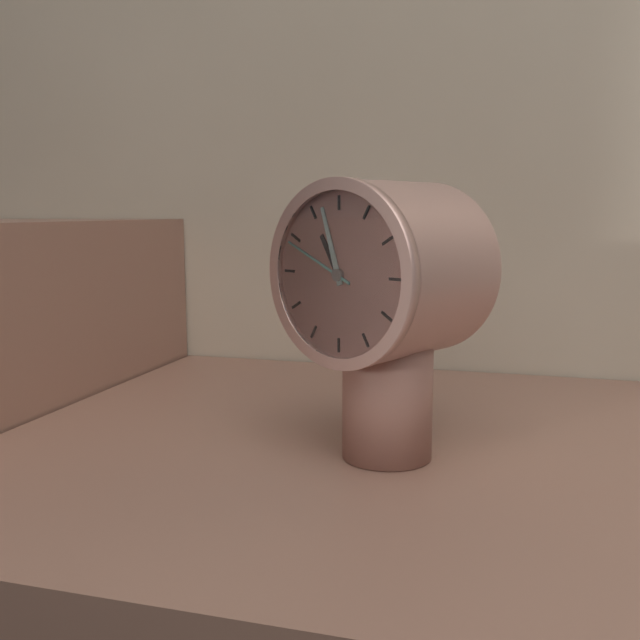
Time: {"hour": 10, "minute": 57, "second": 49}
